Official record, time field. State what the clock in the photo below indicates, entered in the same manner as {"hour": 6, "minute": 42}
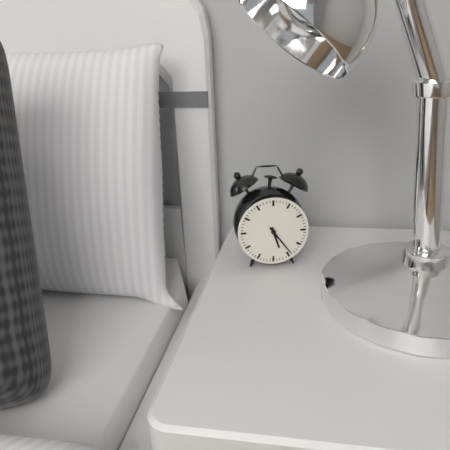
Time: {"hour": 5, "minute": 24}
